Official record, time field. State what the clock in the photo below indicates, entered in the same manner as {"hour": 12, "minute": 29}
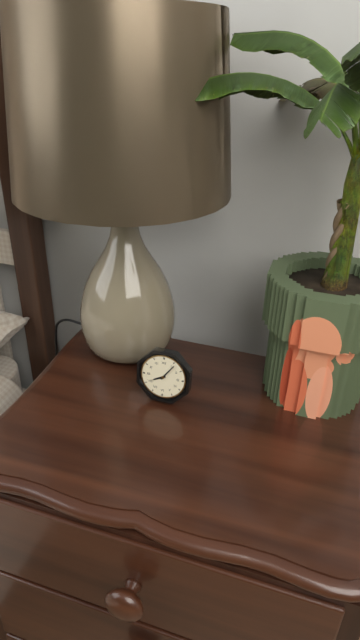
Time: {"hour": 8, "minute": 6}
